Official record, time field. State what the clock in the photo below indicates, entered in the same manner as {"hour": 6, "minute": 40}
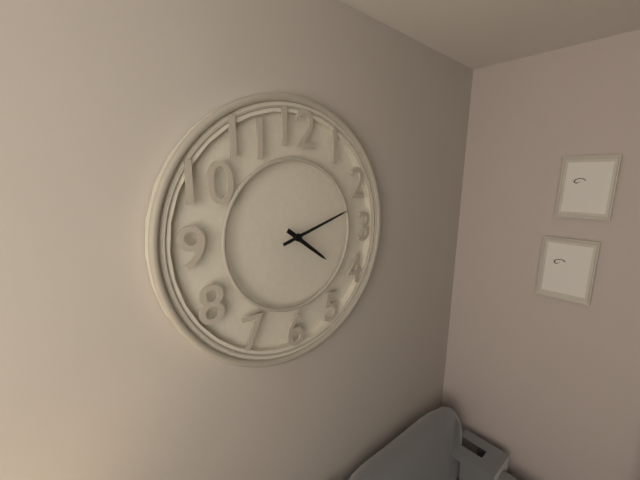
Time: {"hour": 4, "minute": 12}
